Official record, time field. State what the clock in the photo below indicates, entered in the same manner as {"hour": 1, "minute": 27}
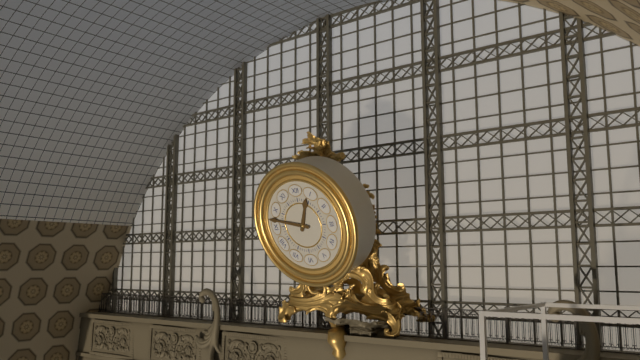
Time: {"hour": 12, "minute": 47}
